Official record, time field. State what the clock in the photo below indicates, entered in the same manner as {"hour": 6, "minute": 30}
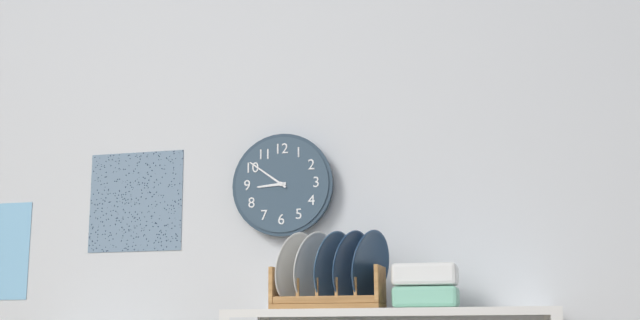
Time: {"hour": 8, "minute": 51}
